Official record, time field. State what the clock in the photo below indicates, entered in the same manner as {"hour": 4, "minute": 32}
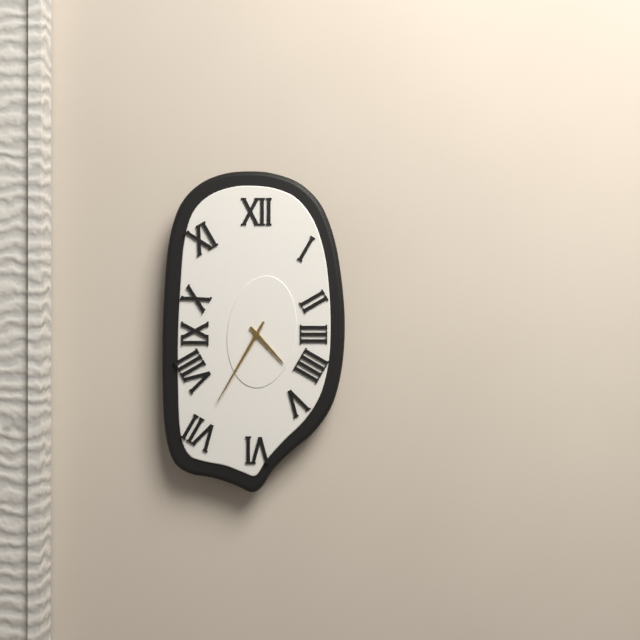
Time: {"hour": 4, "minute": 35}
